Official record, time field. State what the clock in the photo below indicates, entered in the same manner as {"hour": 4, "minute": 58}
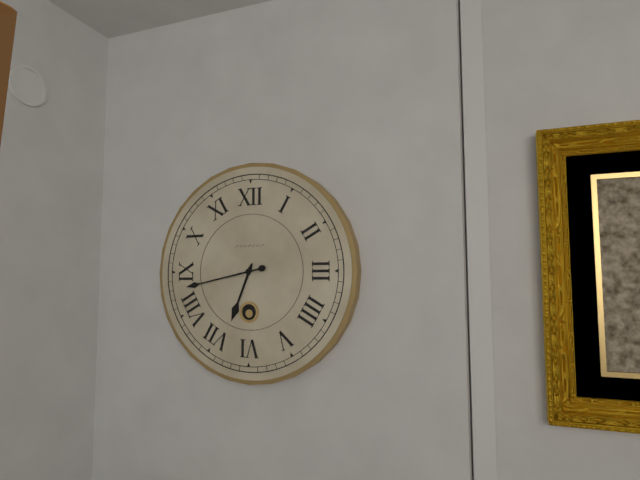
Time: {"hour": 6, "minute": 43}
